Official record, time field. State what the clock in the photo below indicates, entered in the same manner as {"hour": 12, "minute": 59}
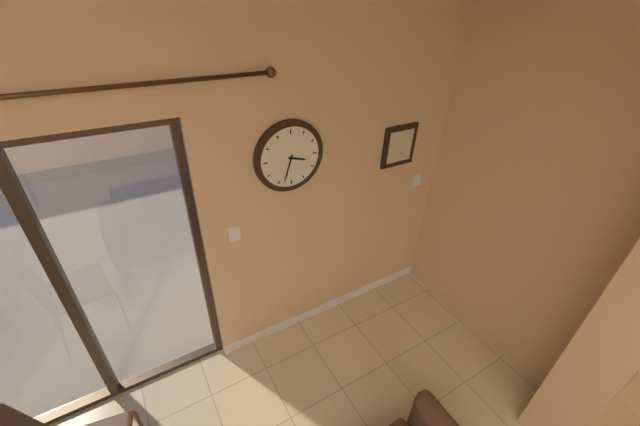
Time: {"hour": 3, "minute": 33}
